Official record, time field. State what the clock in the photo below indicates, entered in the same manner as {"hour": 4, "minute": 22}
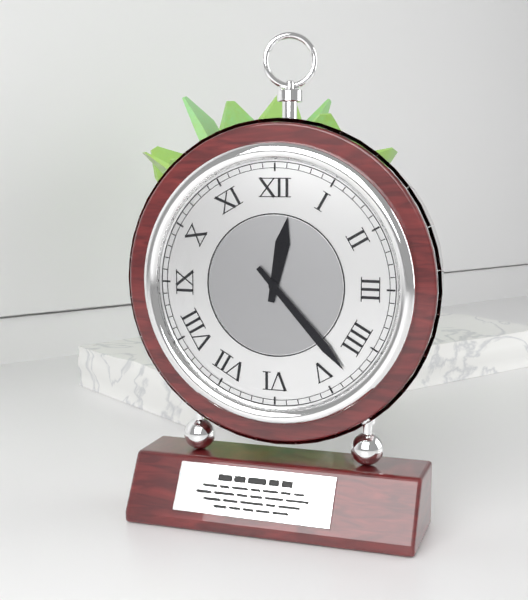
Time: {"hour": 12, "minute": 23}
